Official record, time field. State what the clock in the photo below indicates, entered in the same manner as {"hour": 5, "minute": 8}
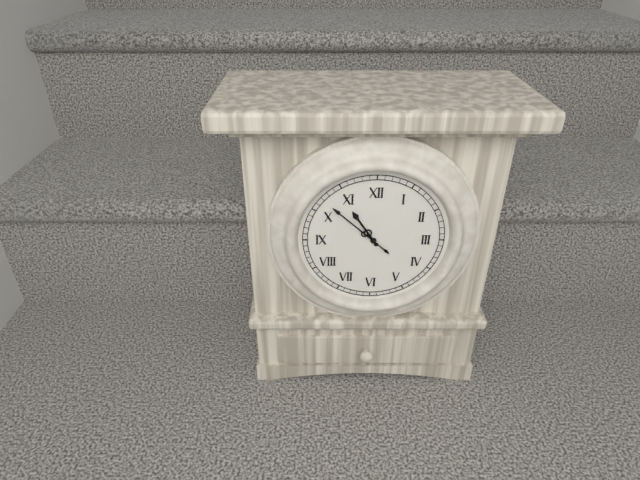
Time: {"hour": 10, "minute": 52}
